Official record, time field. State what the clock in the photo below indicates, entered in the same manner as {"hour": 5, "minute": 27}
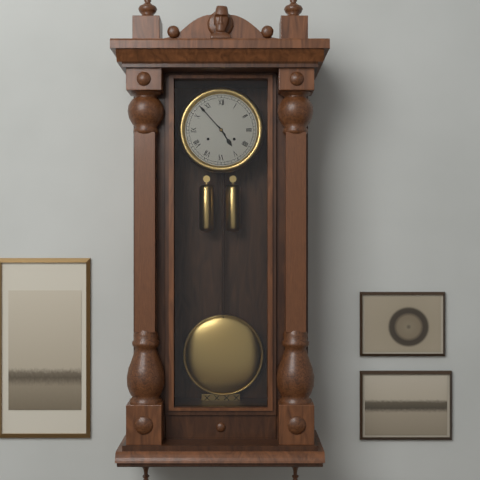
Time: {"hour": 4, "minute": 53}
